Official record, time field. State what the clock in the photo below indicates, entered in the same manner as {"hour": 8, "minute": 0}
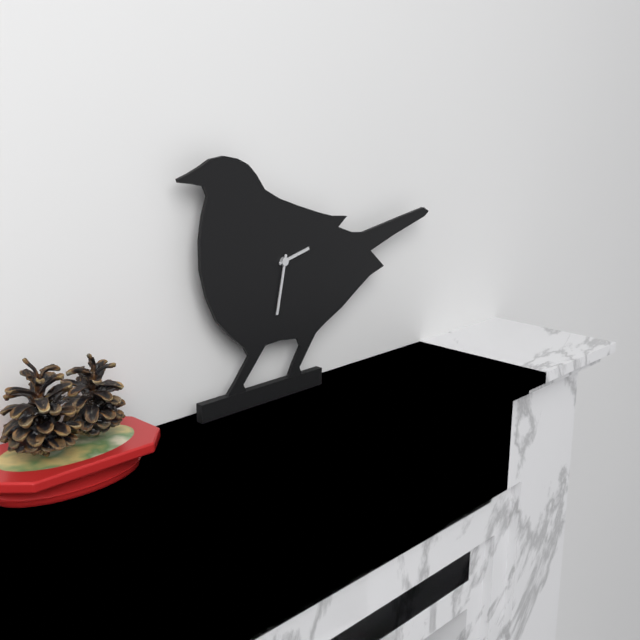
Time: {"hour": 2, "minute": 32}
